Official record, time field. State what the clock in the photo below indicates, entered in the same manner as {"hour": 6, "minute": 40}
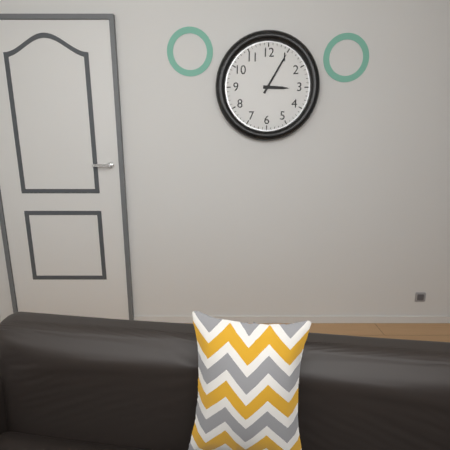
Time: {"hour": 3, "minute": 5}
